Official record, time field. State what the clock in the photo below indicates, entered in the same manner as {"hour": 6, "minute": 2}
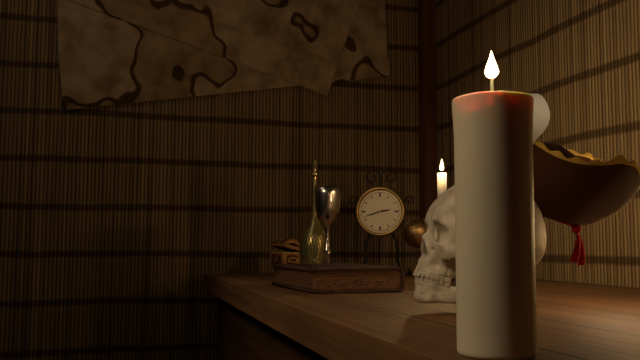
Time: {"hour": 2, "minute": 42}
